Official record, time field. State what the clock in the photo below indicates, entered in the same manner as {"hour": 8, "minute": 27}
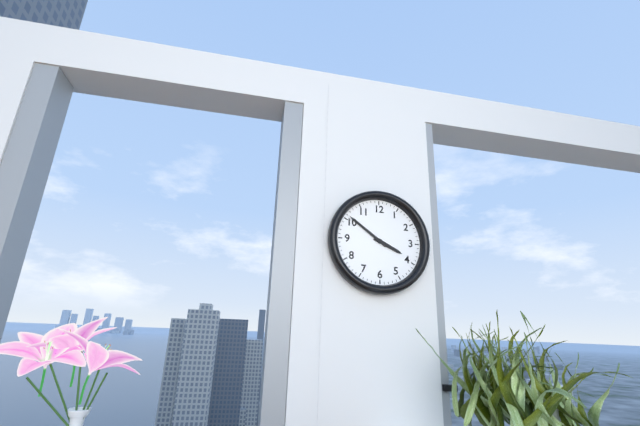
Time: {"hour": 3, "minute": 51}
